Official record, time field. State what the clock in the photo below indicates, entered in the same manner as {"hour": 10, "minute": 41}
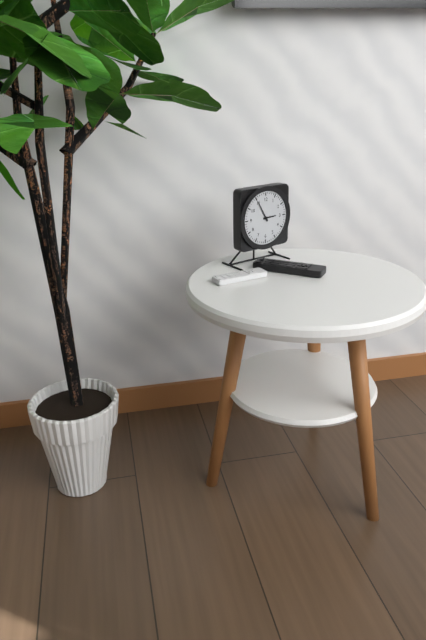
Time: {"hour": 2, "minute": 55}
